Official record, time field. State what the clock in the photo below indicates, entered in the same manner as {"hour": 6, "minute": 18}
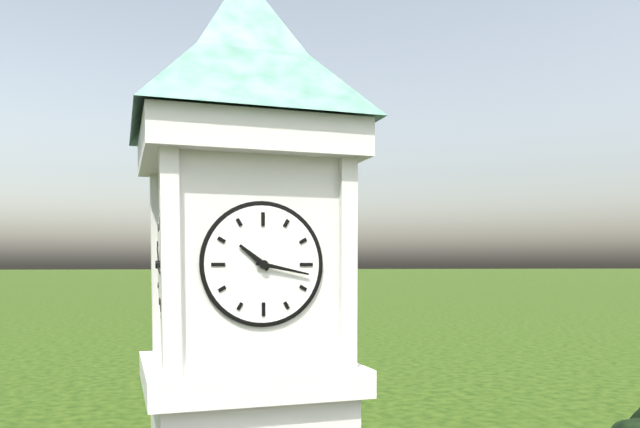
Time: {"hour": 10, "minute": 17}
